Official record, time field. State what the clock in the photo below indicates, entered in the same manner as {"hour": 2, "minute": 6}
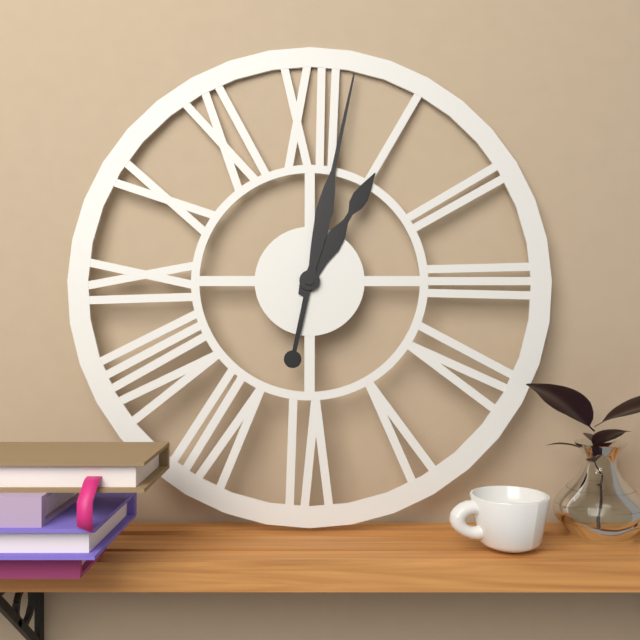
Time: {"hour": 1, "minute": 2}
